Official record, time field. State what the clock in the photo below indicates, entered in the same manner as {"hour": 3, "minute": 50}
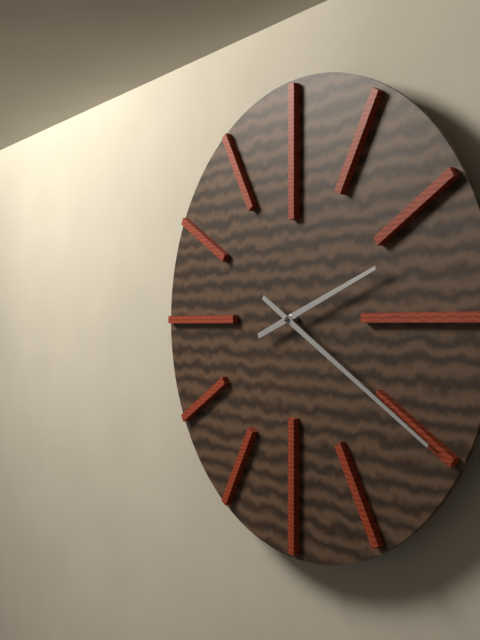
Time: {"hour": 2, "minute": 20}
